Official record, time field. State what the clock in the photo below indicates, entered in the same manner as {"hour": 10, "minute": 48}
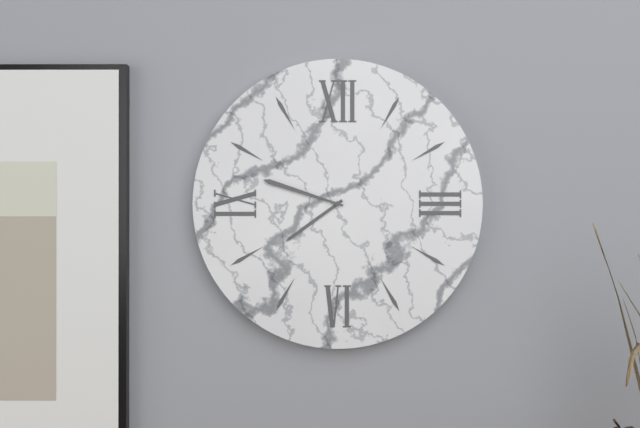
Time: {"hour": 7, "minute": 48}
